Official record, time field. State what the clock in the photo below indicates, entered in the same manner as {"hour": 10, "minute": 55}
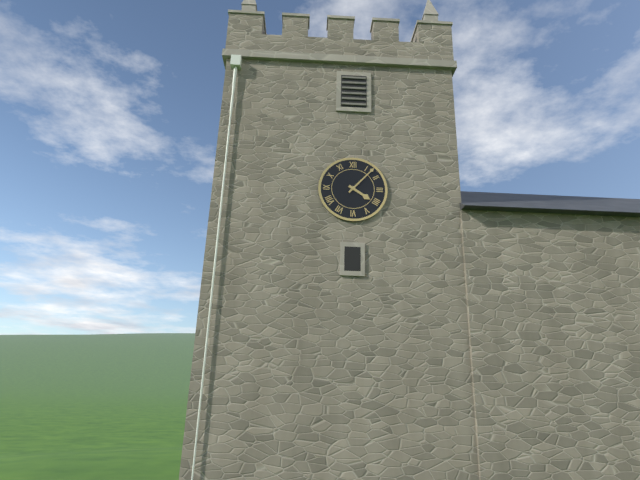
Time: {"hour": 4, "minute": 7}
